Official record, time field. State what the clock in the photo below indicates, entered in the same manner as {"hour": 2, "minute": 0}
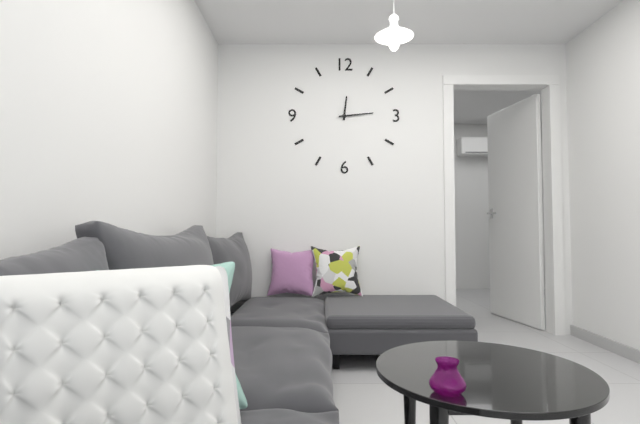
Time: {"hour": 12, "minute": 14}
